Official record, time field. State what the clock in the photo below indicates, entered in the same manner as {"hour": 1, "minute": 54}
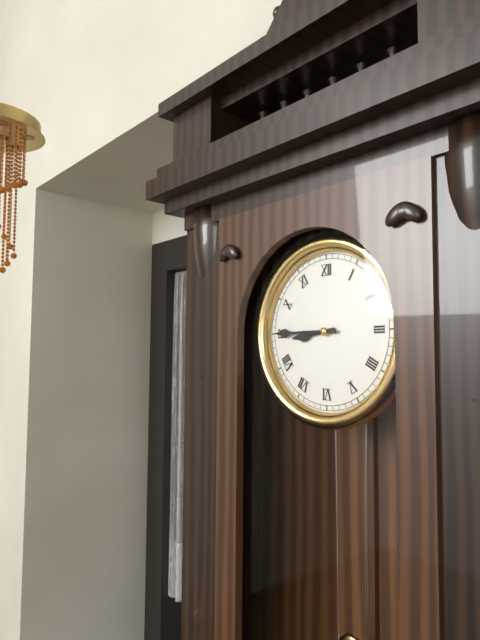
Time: {"hour": 8, "minute": 45}
